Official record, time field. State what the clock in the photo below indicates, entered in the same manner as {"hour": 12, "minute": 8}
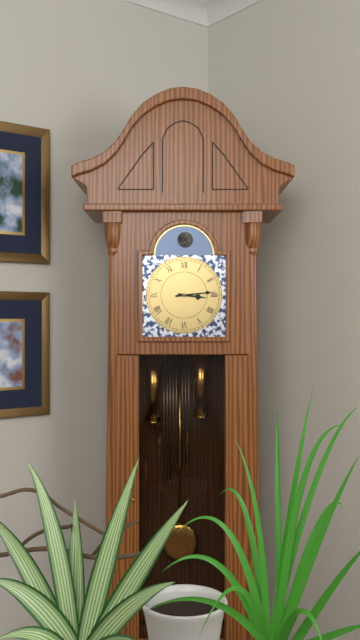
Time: {"hour": 3, "minute": 14}
